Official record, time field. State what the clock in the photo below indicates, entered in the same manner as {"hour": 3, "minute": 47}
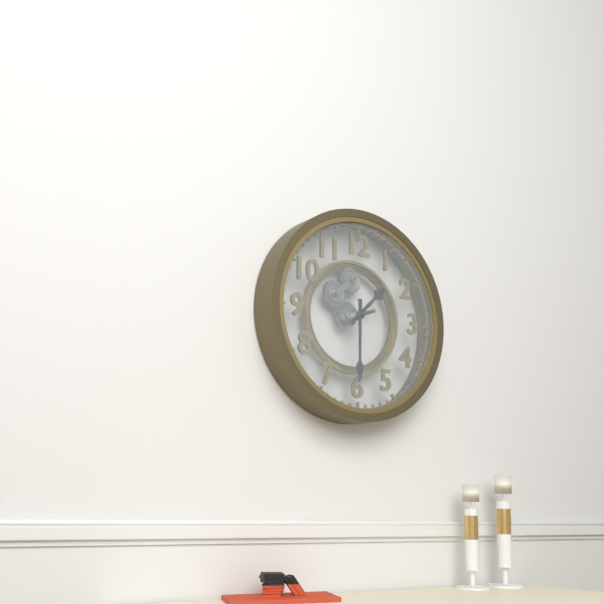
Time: {"hour": 1, "minute": 30}
